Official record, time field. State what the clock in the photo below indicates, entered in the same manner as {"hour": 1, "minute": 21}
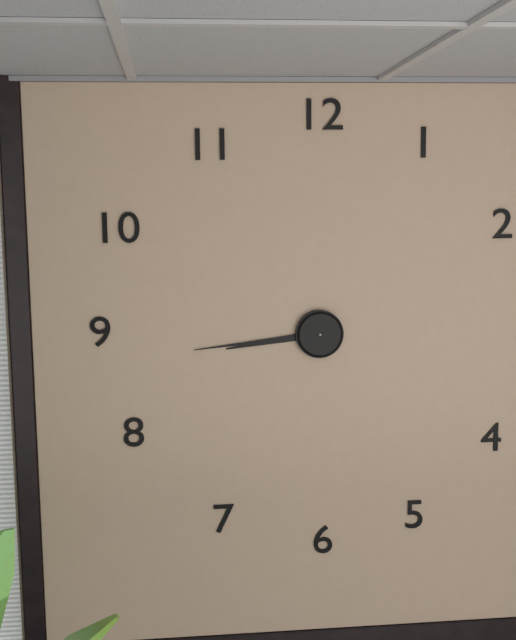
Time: {"hour": 8, "minute": 44}
